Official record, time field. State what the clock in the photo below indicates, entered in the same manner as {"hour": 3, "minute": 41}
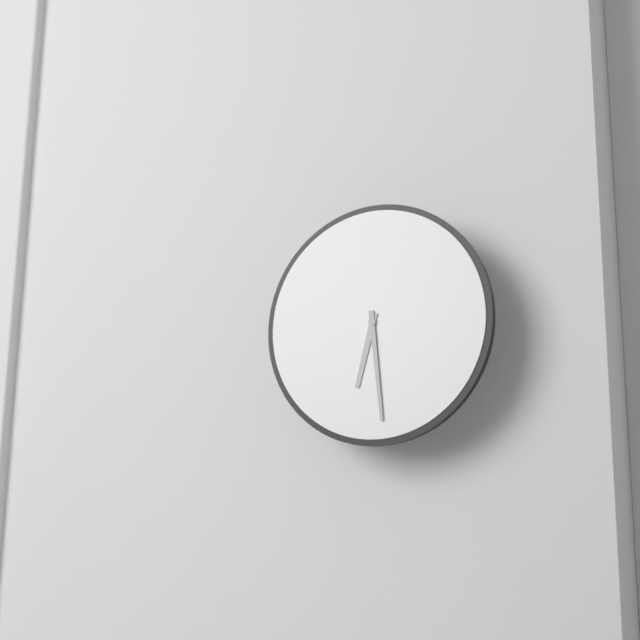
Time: {"hour": 6, "minute": 29}
